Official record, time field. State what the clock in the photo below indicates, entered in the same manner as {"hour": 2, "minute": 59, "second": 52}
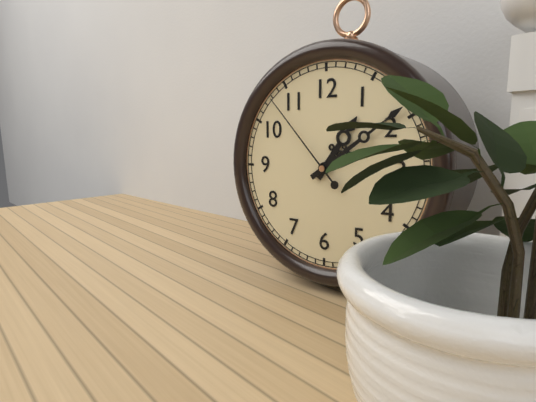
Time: {"hour": 1, "minute": 9, "second": 53}
